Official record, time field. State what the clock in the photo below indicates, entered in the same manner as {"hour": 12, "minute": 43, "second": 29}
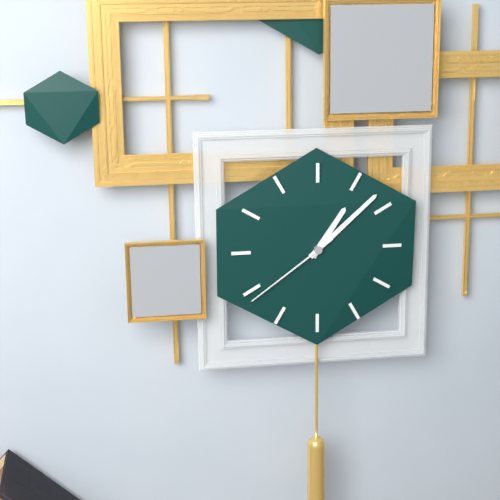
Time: {"hour": 1, "minute": 8, "second": 39}
